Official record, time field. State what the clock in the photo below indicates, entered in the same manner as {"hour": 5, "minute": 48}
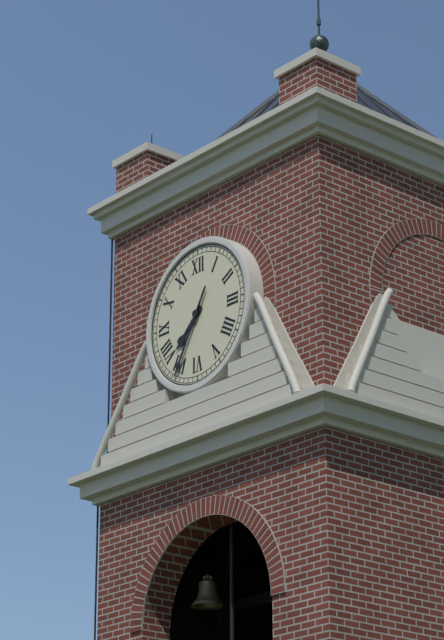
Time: {"hour": 7, "minute": 35}
